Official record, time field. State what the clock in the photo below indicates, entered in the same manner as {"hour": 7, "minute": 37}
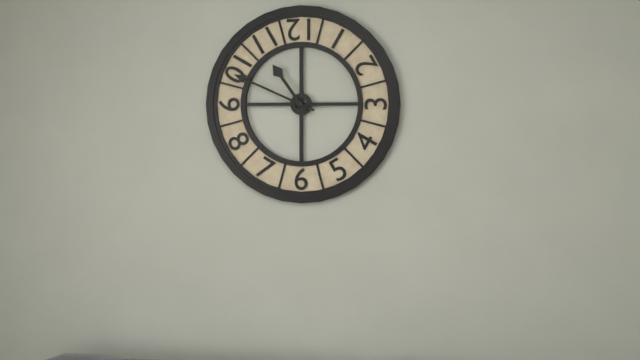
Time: {"hour": 10, "minute": 49}
